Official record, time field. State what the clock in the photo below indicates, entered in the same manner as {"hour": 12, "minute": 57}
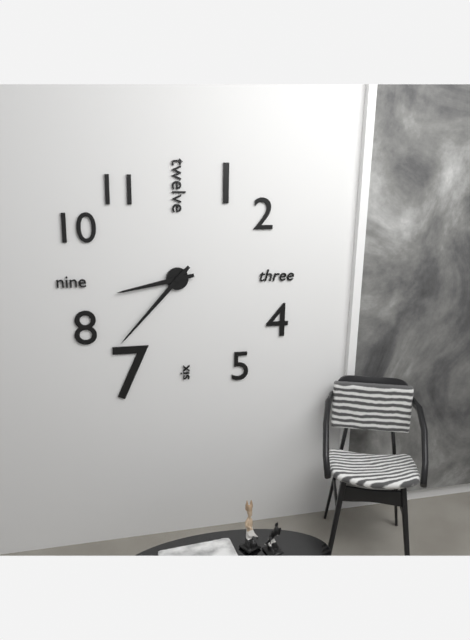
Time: {"hour": 8, "minute": 37}
